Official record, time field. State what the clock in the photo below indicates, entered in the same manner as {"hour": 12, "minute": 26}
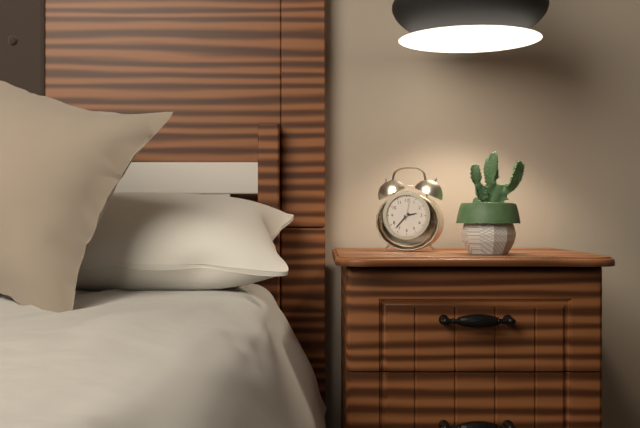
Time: {"hour": 2, "minute": 37}
